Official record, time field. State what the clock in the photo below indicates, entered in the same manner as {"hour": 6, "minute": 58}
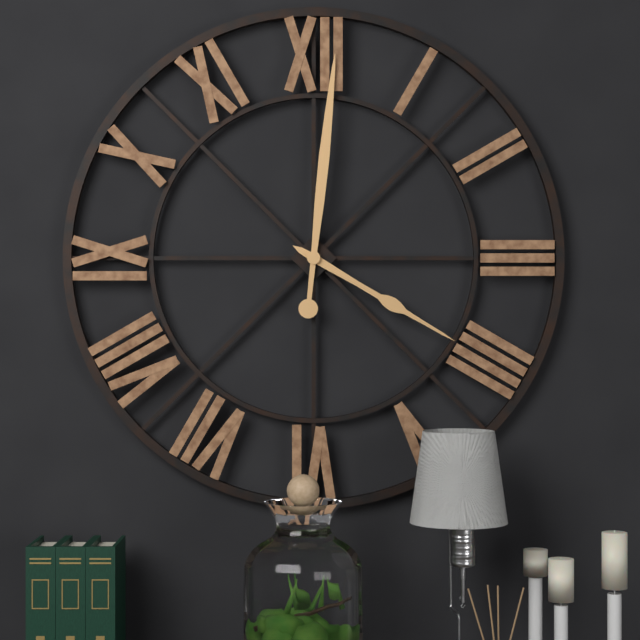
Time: {"hour": 4, "minute": 1}
